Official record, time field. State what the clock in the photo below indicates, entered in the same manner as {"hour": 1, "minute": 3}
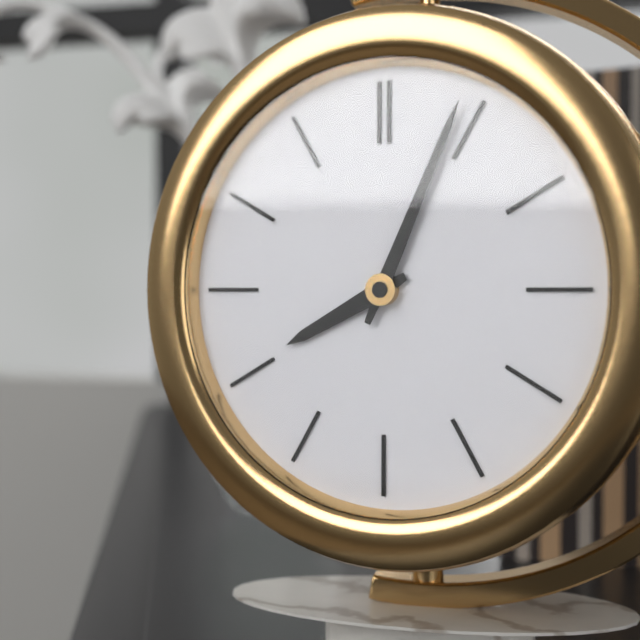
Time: {"hour": 8, "minute": 4}
